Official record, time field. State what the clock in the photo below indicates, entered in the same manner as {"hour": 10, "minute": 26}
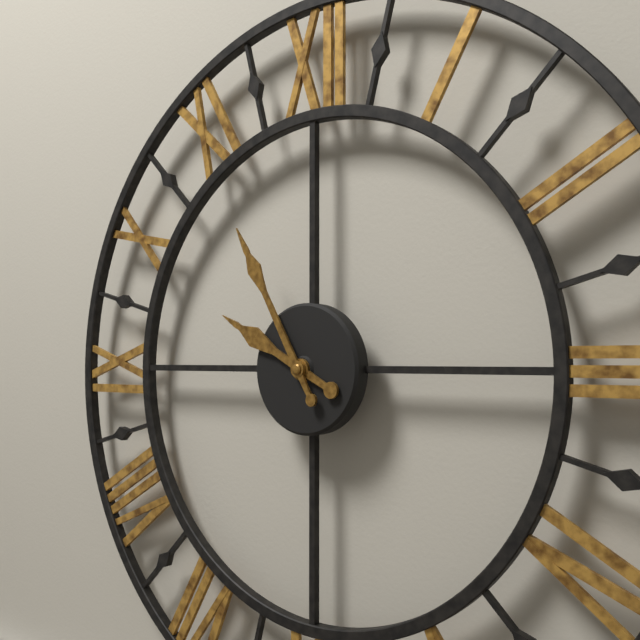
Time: {"hour": 9, "minute": 55}
